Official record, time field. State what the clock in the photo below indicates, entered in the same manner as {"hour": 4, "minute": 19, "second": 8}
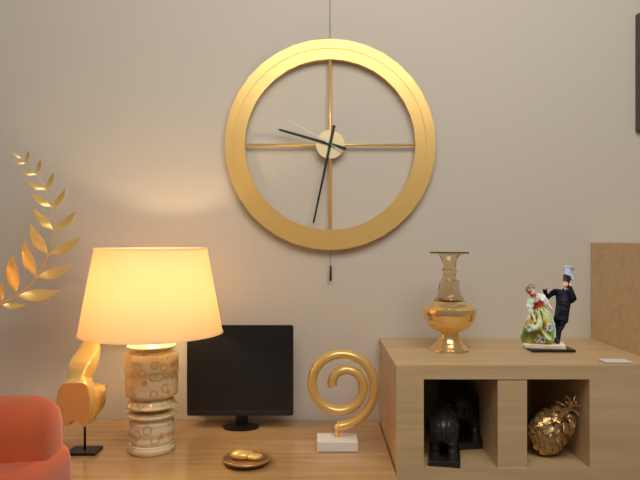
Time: {"hour": 9, "minute": 32, "second": 50}
